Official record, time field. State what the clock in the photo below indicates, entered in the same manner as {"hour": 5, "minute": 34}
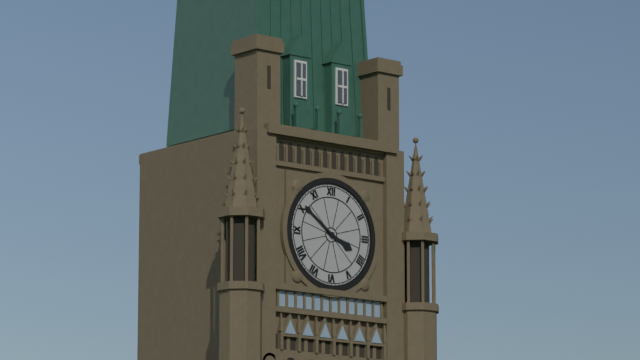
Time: {"hour": 3, "minute": 51}
